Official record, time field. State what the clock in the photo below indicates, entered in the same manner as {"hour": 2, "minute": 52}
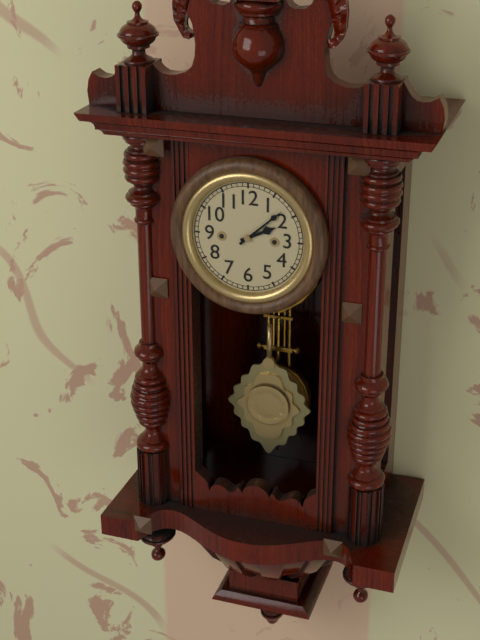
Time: {"hour": 2, "minute": 8}
